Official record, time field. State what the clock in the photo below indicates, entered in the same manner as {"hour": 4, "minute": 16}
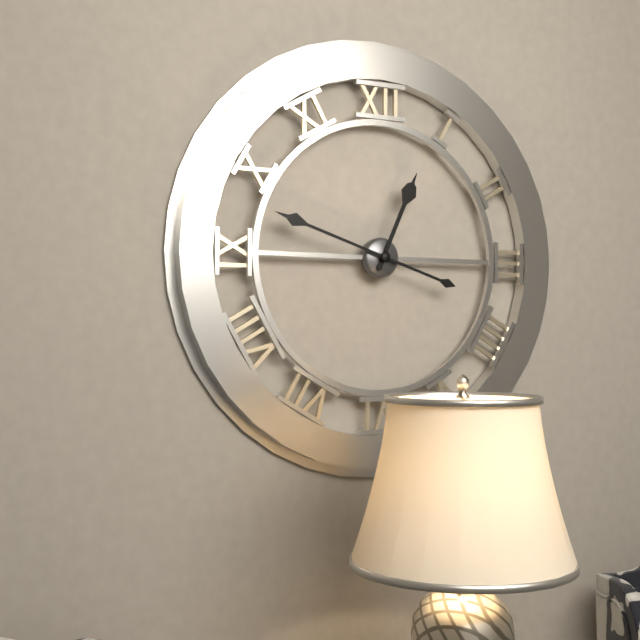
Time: {"hour": 12, "minute": 48}
